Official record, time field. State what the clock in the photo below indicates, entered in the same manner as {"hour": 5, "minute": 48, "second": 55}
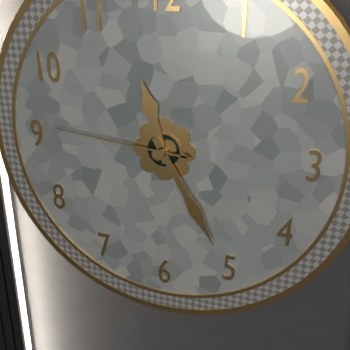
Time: {"hour": 11, "minute": 25, "second": 46}
